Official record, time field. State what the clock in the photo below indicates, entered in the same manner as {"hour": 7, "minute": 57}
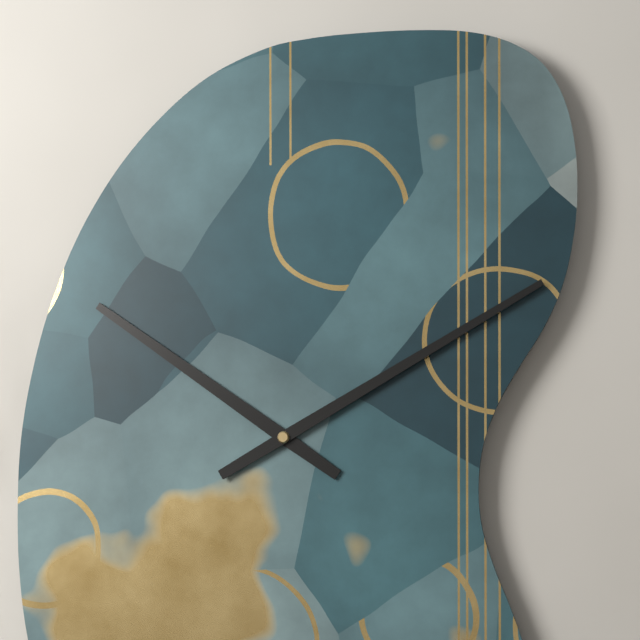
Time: {"hour": 10, "minute": 10}
